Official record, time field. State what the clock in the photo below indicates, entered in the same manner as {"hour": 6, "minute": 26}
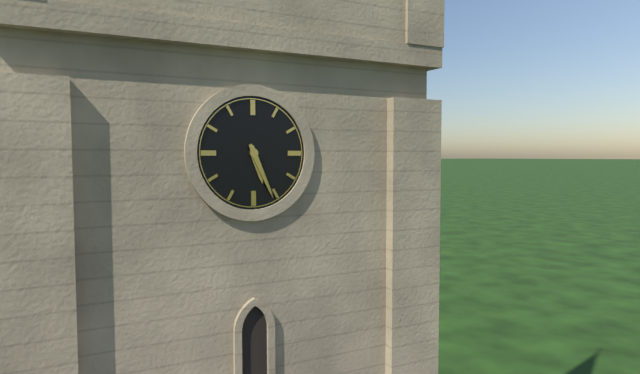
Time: {"hour": 5, "minute": 26}
